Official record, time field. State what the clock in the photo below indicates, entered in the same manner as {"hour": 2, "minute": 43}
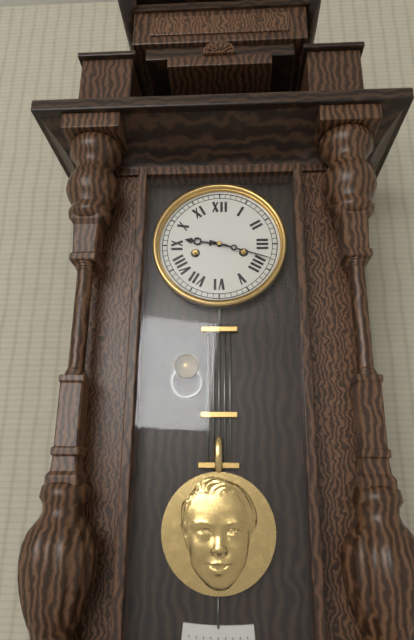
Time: {"hour": 9, "minute": 18}
